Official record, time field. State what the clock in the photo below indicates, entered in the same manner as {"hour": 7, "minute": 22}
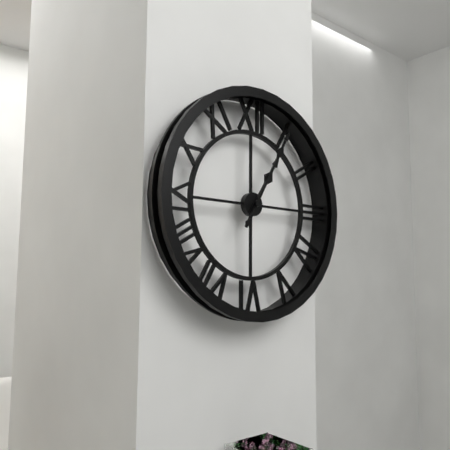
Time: {"hour": 1, "minute": 5}
